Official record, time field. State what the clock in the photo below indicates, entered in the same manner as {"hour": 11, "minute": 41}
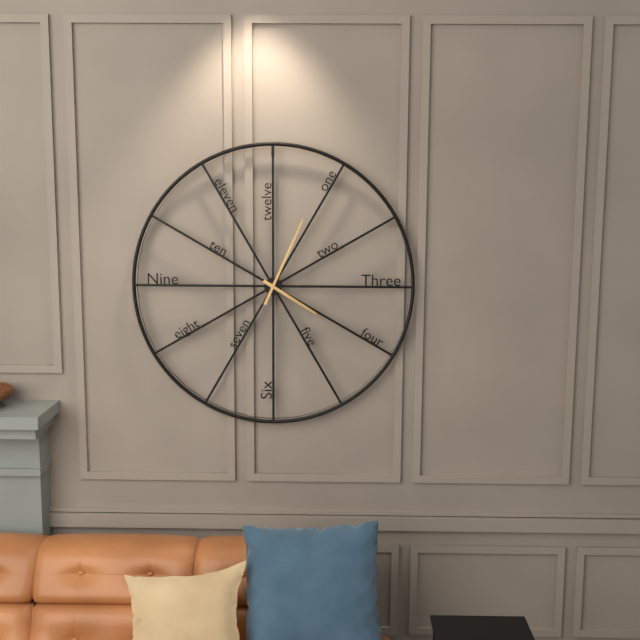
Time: {"hour": 4, "minute": 4}
